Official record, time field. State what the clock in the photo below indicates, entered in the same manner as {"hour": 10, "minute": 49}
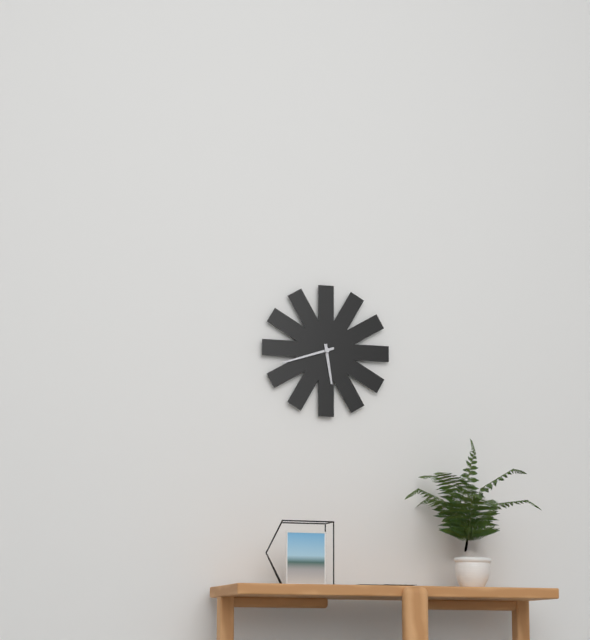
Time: {"hour": 5, "minute": 42}
